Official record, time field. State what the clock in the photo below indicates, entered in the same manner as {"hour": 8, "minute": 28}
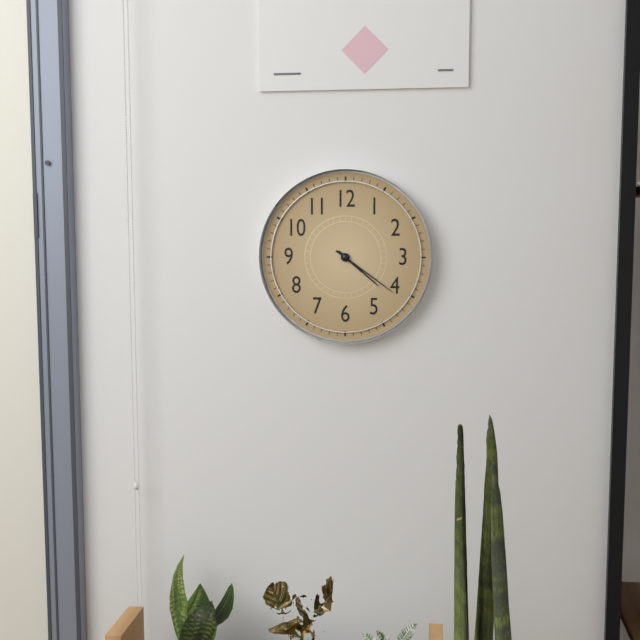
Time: {"hour": 4, "minute": 21}
